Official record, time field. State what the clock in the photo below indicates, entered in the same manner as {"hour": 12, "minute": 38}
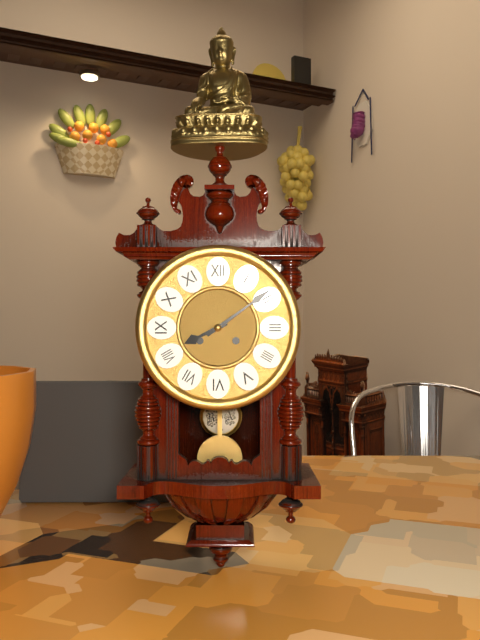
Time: {"hour": 8, "minute": 9}
